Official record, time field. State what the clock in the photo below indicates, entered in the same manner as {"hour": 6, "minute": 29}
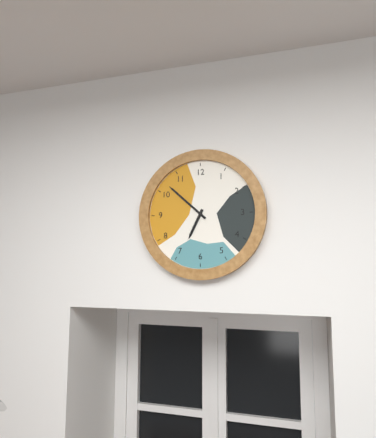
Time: {"hour": 6, "minute": 52}
